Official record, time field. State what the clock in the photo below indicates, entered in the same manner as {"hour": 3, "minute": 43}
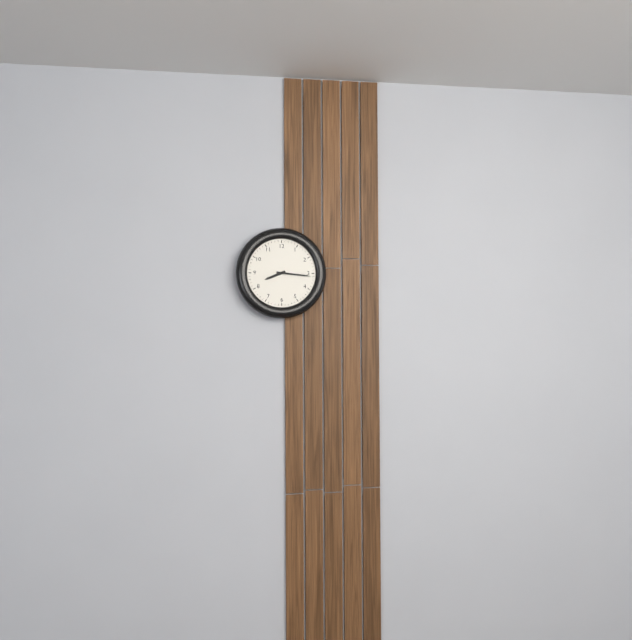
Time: {"hour": 8, "minute": 16}
